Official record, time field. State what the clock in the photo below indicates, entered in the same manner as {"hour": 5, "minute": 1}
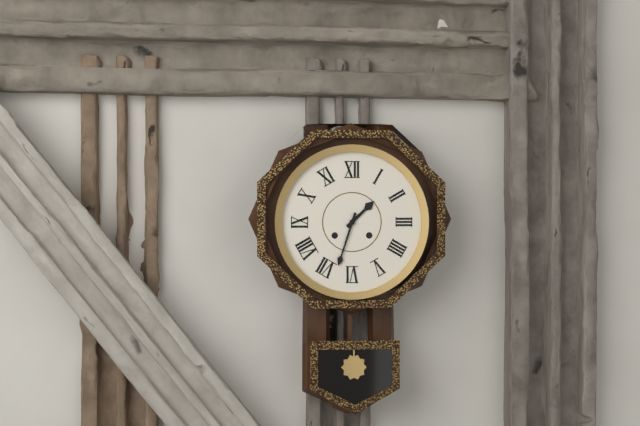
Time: {"hour": 1, "minute": 33}
